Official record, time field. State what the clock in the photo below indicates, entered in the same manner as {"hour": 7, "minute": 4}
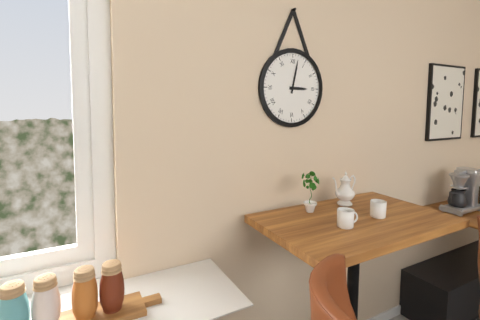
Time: {"hour": 3, "minute": 2}
